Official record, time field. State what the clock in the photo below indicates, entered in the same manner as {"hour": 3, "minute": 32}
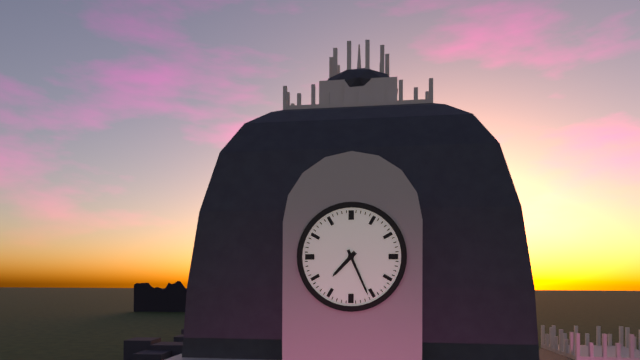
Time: {"hour": 7, "minute": 26}
